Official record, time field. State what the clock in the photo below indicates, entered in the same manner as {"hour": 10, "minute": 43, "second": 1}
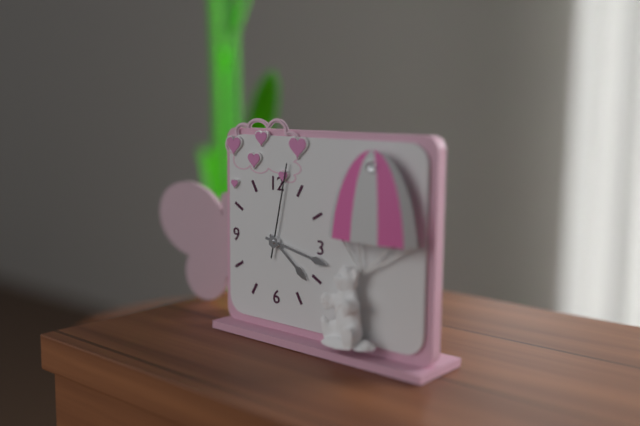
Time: {"hour": 4, "minute": 17, "second": 2}
